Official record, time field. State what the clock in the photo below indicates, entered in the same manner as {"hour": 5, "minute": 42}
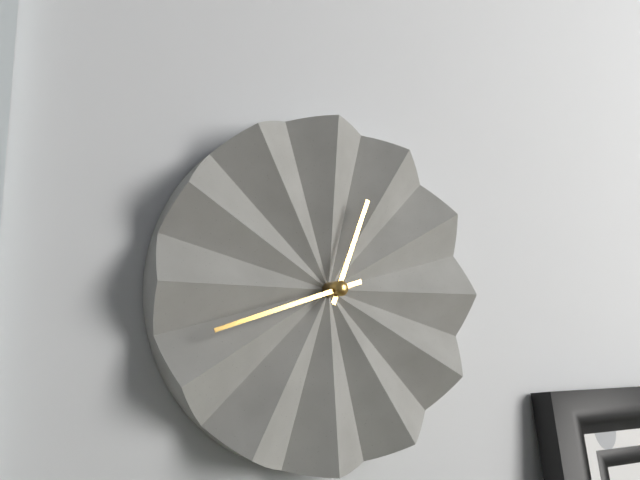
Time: {"hour": 12, "minute": 42}
